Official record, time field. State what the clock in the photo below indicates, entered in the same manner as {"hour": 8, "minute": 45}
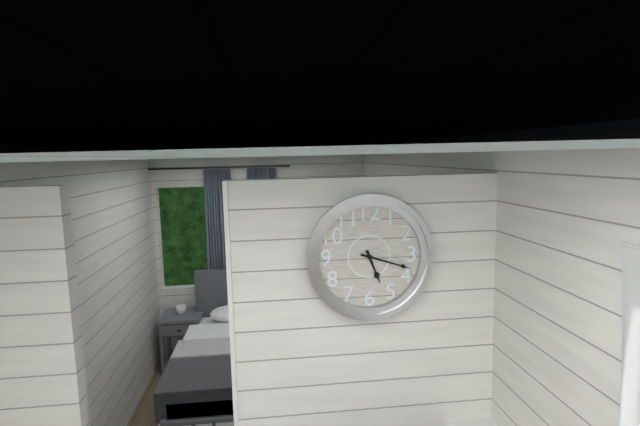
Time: {"hour": 5, "minute": 18}
